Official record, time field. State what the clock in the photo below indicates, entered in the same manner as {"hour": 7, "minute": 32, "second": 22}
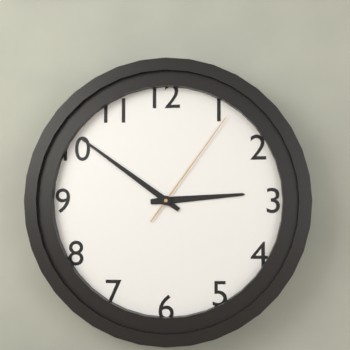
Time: {"hour": 2, "minute": 51, "second": 6}
